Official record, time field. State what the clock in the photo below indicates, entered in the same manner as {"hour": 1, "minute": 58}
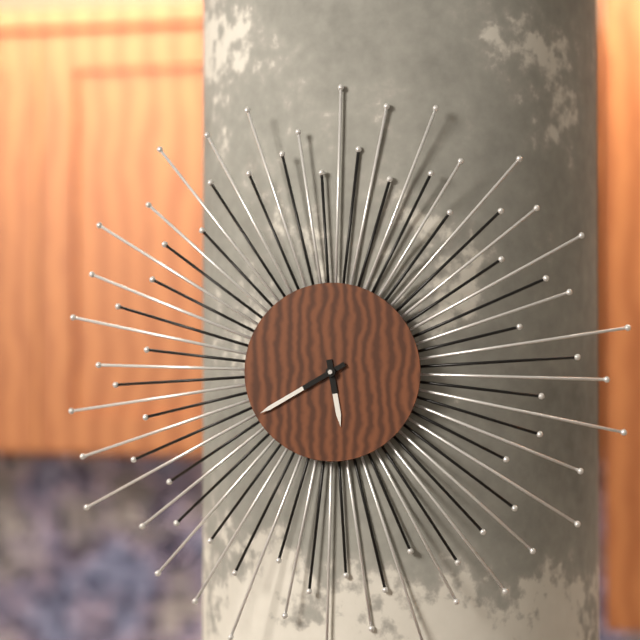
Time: {"hour": 5, "minute": 40}
